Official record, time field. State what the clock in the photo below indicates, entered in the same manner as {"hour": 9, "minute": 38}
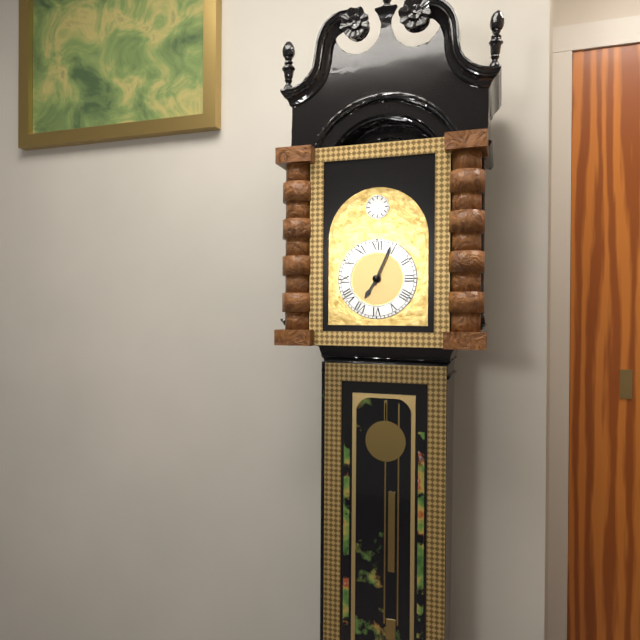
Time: {"hour": 7, "minute": 4}
